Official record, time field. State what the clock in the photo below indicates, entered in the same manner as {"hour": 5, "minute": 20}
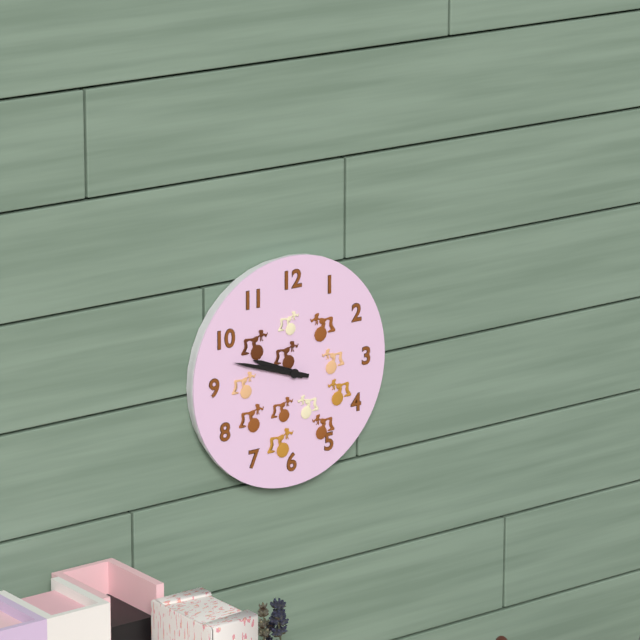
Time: {"hour": 9, "minute": 48}
